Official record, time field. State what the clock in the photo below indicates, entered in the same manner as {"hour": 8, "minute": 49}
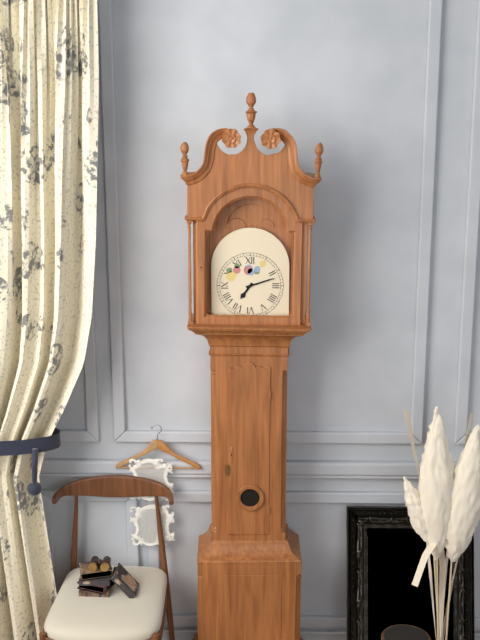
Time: {"hour": 7, "minute": 12}
